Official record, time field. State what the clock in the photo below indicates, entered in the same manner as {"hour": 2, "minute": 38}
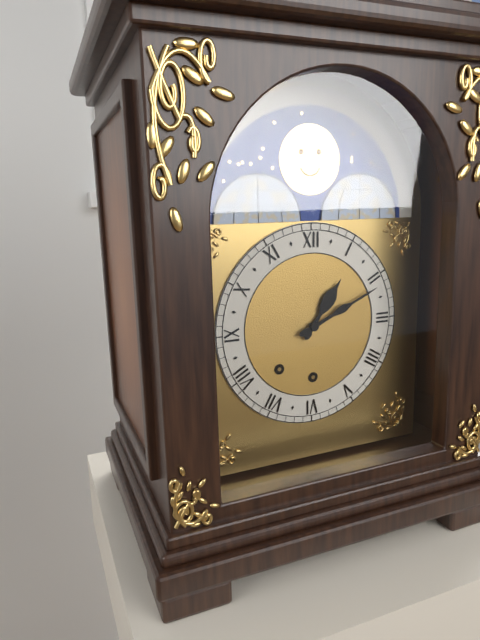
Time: {"hour": 1, "minute": 11}
